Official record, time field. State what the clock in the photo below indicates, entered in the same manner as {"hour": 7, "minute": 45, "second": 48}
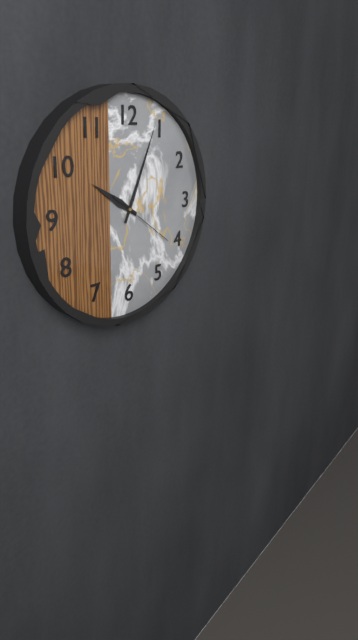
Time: {"hour": 10, "minute": 4, "second": 21}
